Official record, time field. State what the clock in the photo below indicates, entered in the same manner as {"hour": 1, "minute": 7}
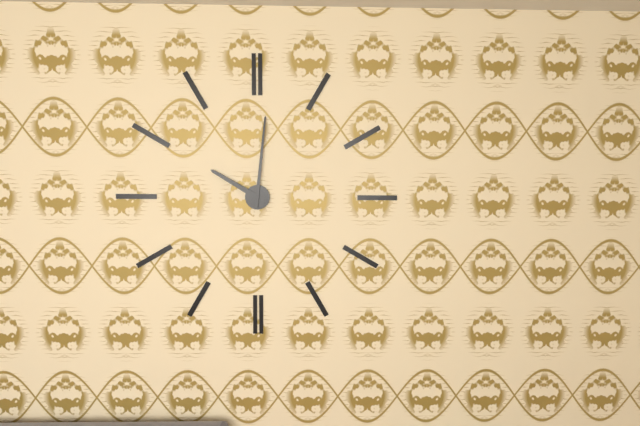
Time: {"hour": 10, "minute": 1}
